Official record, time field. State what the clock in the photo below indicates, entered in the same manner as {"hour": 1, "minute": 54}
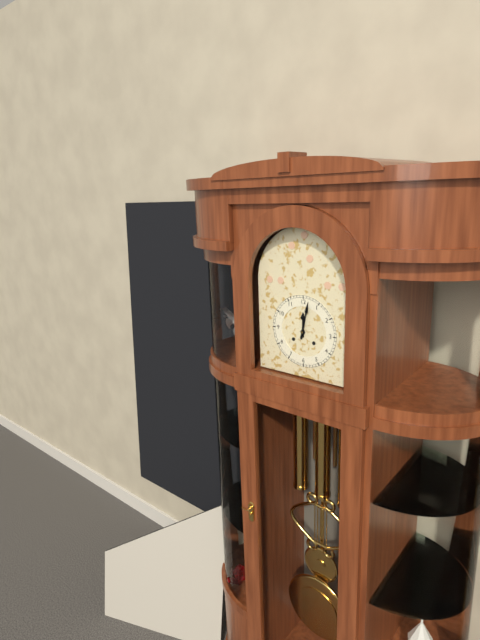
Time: {"hour": 12, "minute": 2}
